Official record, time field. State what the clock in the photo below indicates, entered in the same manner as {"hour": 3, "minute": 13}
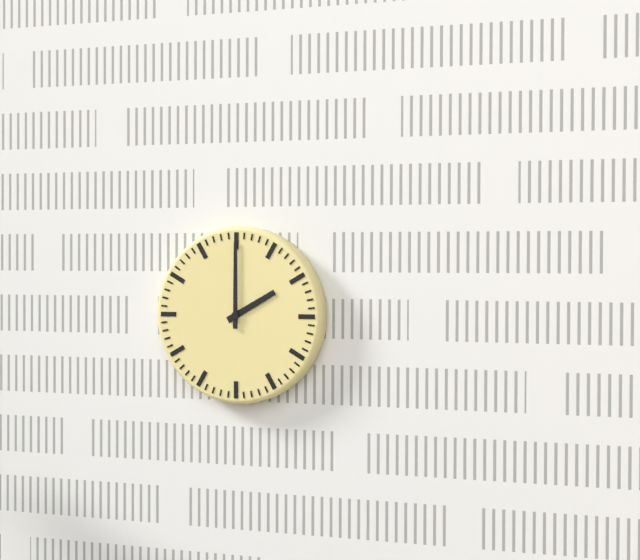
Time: {"hour": 2, "minute": 0}
